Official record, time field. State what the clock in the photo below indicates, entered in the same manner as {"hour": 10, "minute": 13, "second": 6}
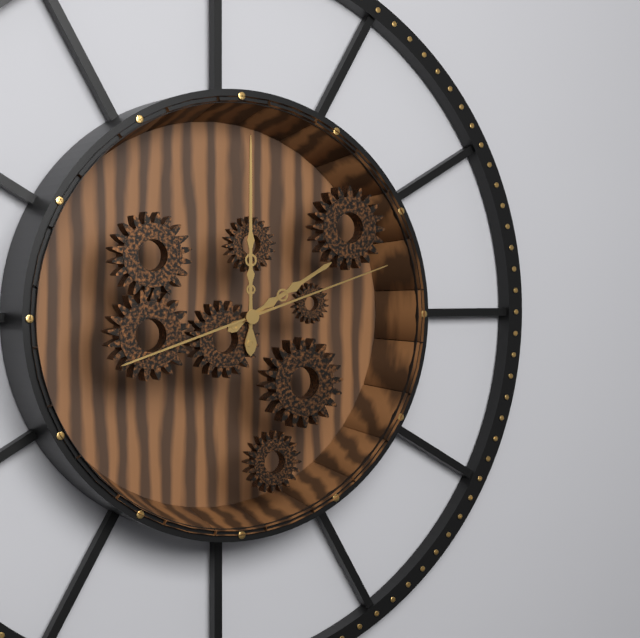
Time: {"hour": 2, "minute": 0, "second": 12}
